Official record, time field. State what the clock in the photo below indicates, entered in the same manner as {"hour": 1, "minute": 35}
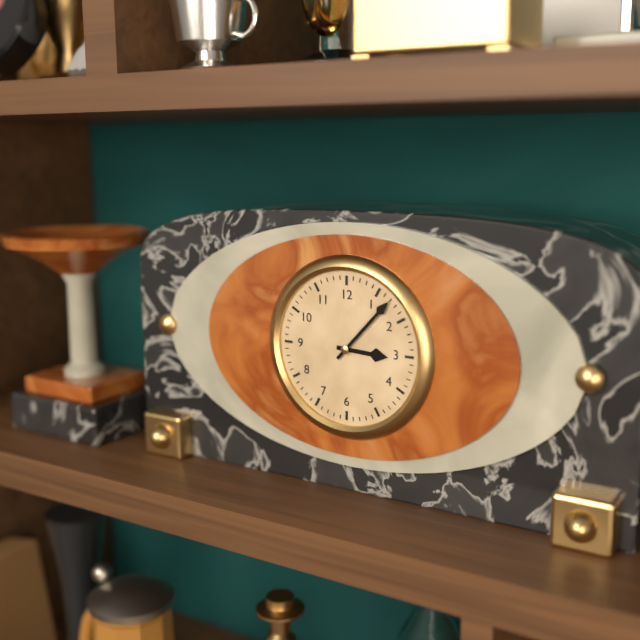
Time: {"hour": 3, "minute": 7}
